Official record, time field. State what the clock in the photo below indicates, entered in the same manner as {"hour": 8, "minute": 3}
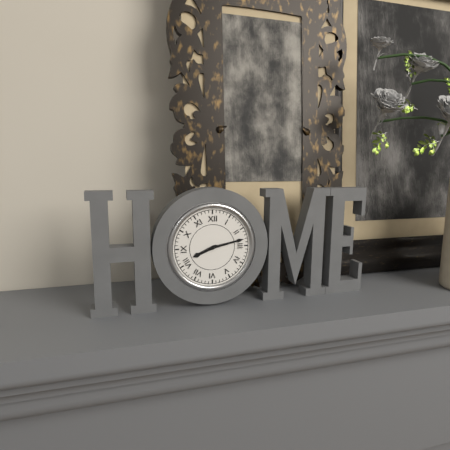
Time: {"hour": 8, "minute": 13}
